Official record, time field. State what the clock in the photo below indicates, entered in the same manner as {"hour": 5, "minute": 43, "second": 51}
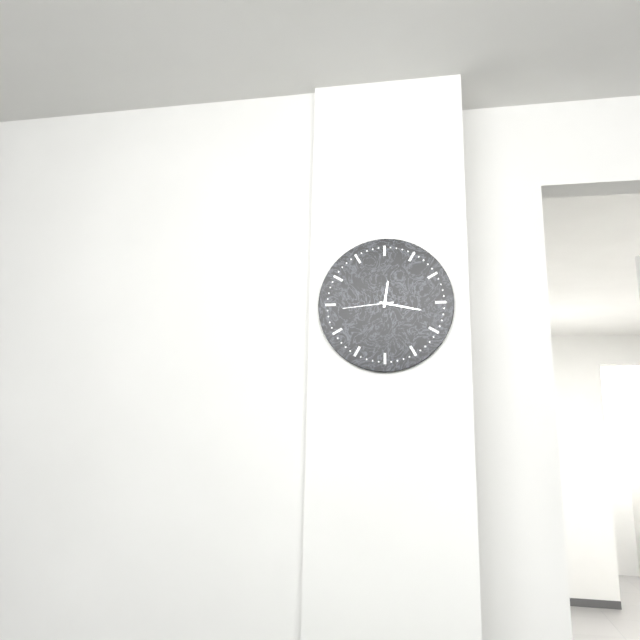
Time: {"hour": 12, "minute": 17, "second": 44}
